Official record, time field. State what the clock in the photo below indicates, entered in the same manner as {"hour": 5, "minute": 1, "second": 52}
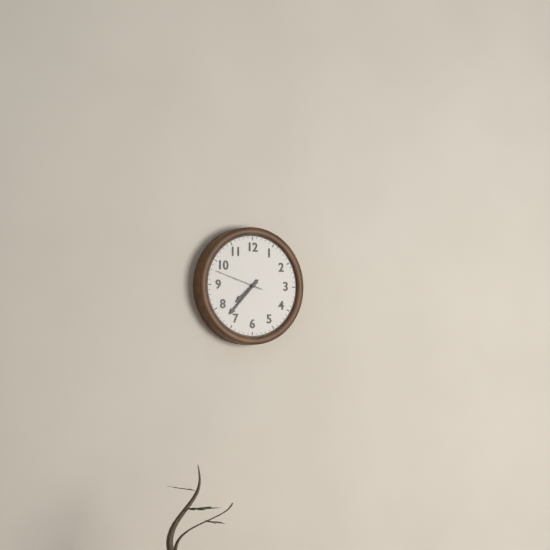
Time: {"hour": 7, "minute": 37, "second": 48}
